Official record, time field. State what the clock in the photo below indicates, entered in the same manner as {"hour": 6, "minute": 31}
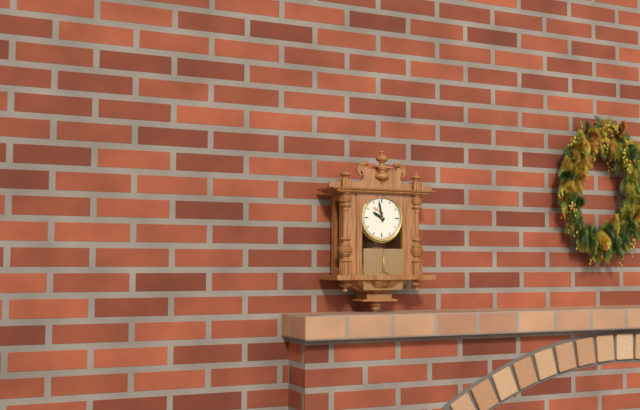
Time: {"hour": 9, "minute": 58}
